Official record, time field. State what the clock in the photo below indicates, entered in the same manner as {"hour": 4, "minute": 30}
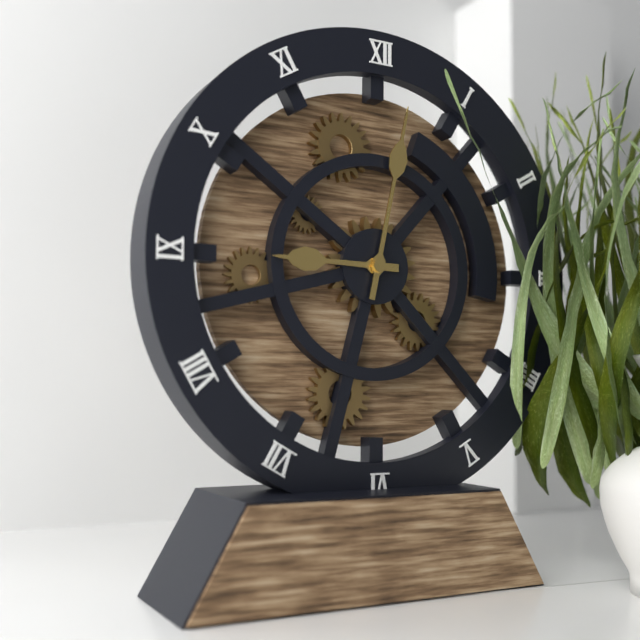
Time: {"hour": 9, "minute": 2}
